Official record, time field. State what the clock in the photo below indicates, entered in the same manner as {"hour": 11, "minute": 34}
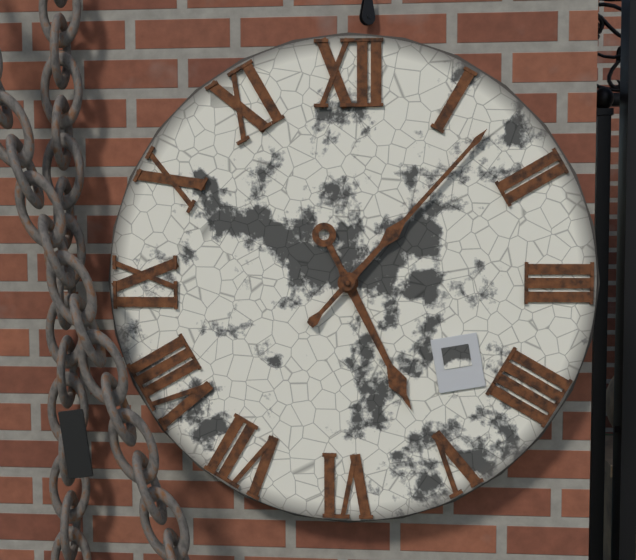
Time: {"hour": 5, "minute": 7}
